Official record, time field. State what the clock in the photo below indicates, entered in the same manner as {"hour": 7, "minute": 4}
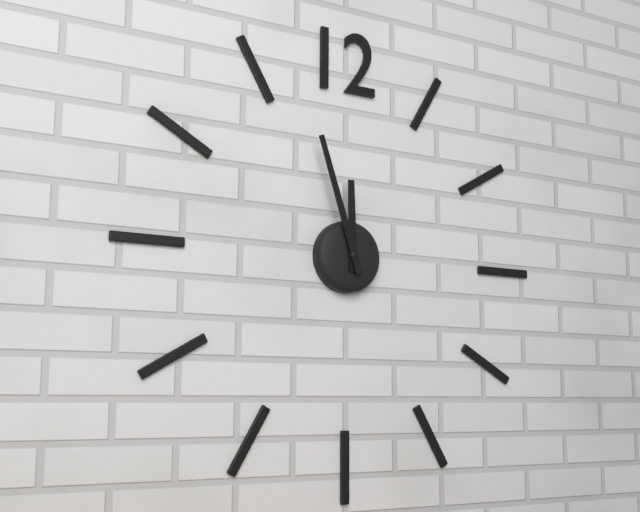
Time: {"hour": 11, "minute": 57}
